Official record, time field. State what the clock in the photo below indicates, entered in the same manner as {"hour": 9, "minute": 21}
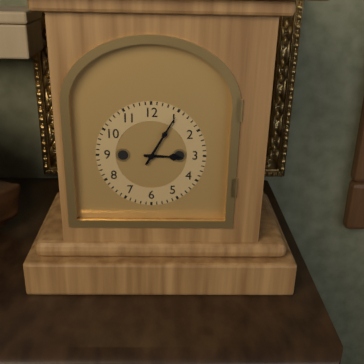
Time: {"hour": 3, "minute": 5}
